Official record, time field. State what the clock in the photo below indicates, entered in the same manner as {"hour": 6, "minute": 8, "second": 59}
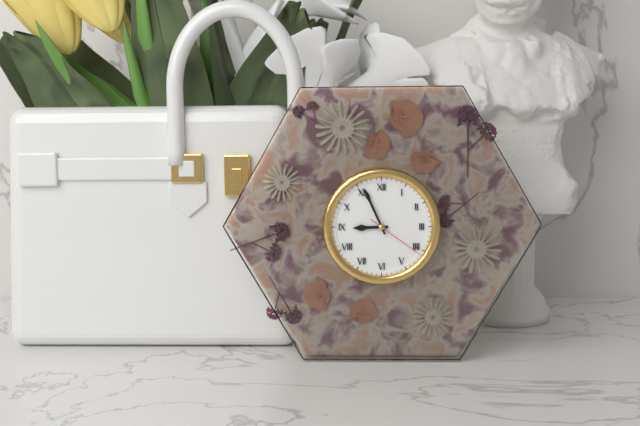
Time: {"hour": 8, "minute": 56, "second": 21}
